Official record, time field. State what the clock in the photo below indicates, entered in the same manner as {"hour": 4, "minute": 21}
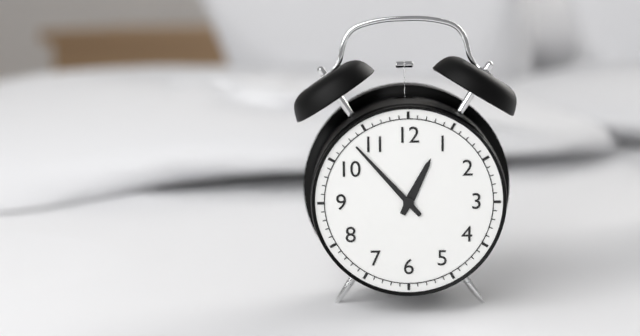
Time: {"hour": 12, "minute": 53}
